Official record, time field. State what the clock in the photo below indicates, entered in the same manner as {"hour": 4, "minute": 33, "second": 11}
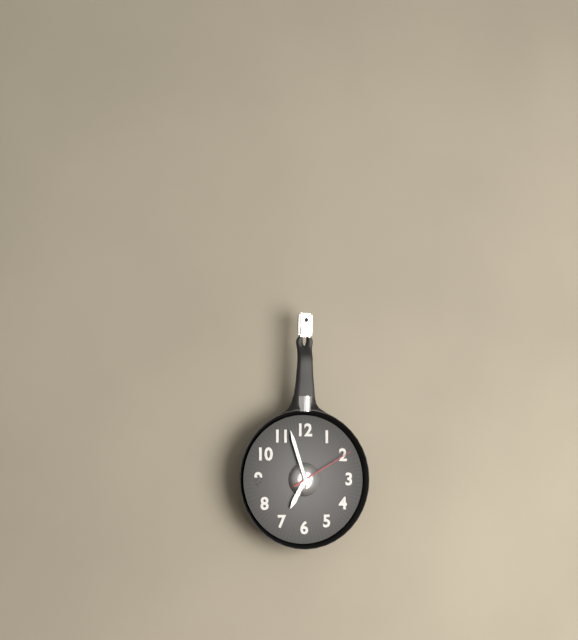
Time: {"hour": 6, "minute": 57, "second": 10}
